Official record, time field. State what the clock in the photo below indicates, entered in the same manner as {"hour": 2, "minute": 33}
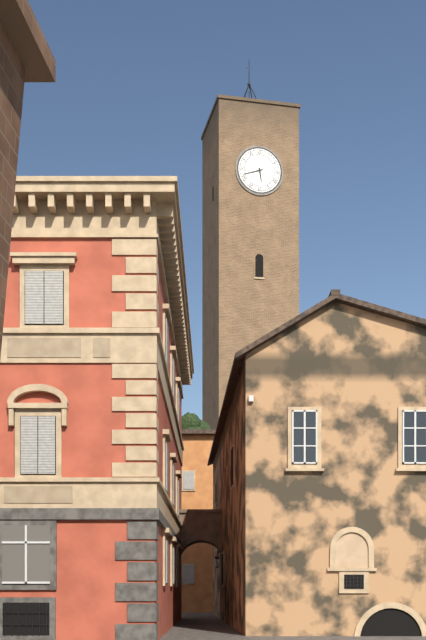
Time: {"hour": 5, "minute": 42}
